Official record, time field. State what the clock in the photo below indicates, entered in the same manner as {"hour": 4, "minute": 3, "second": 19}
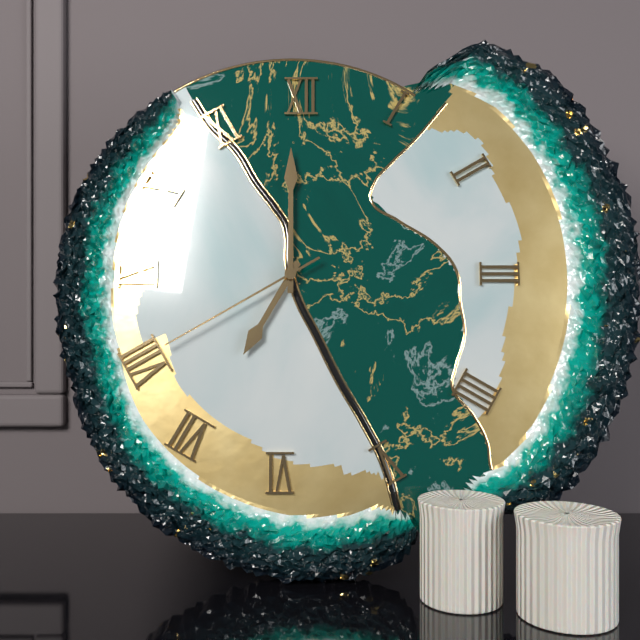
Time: {"hour": 7, "minute": 0, "second": 40}
